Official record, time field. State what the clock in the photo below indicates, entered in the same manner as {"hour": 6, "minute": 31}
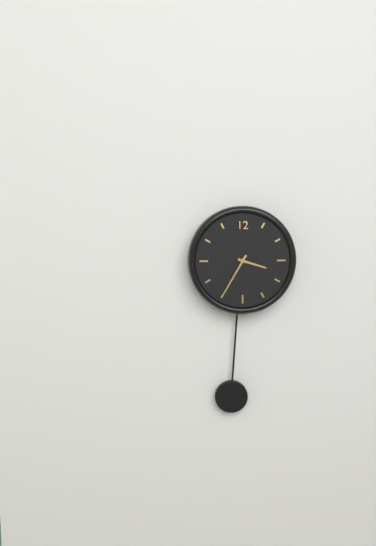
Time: {"hour": 3, "minute": 35}
